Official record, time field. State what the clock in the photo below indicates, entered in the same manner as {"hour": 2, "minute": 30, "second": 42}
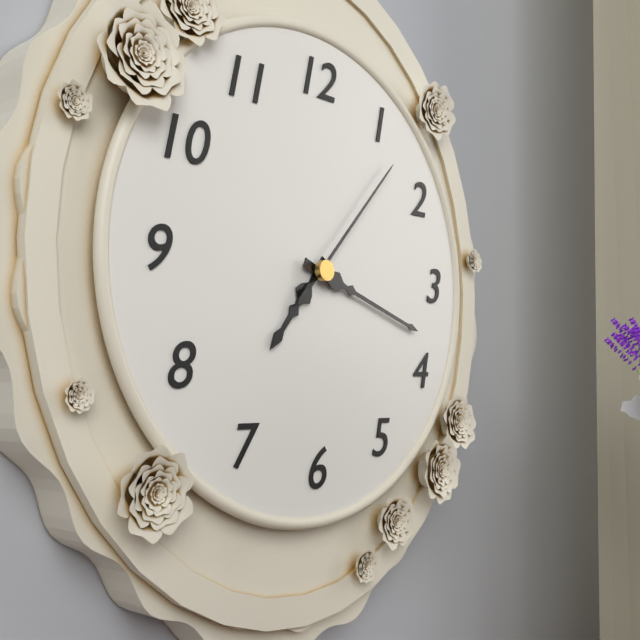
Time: {"hour": 7, "minute": 18, "second": 7}
